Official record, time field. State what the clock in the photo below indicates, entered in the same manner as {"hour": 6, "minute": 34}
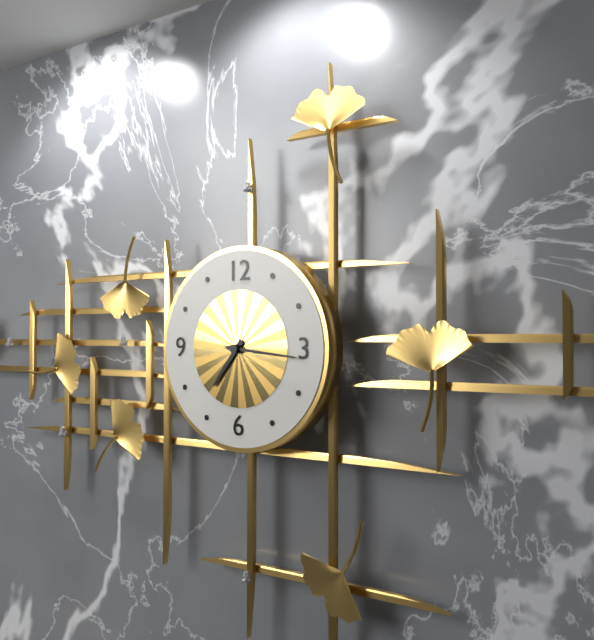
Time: {"hour": 7, "minute": 16}
